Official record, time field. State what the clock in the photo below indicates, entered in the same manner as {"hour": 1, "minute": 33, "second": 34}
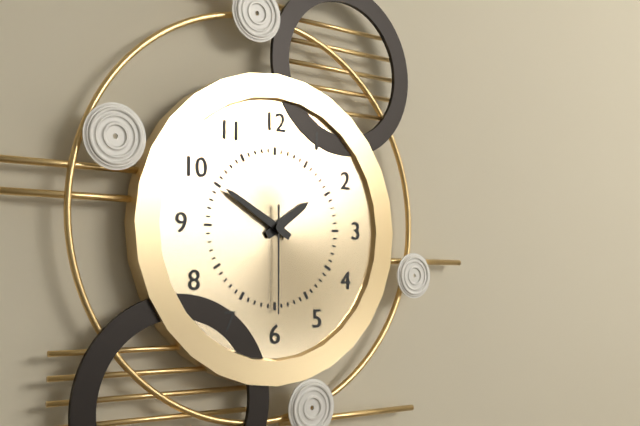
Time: {"hour": 1, "minute": 50, "second": 30}
